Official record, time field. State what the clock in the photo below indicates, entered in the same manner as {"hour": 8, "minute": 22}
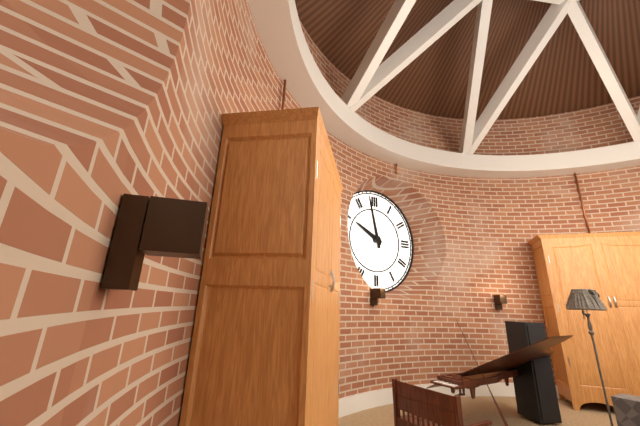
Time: {"hour": 9, "minute": 58}
